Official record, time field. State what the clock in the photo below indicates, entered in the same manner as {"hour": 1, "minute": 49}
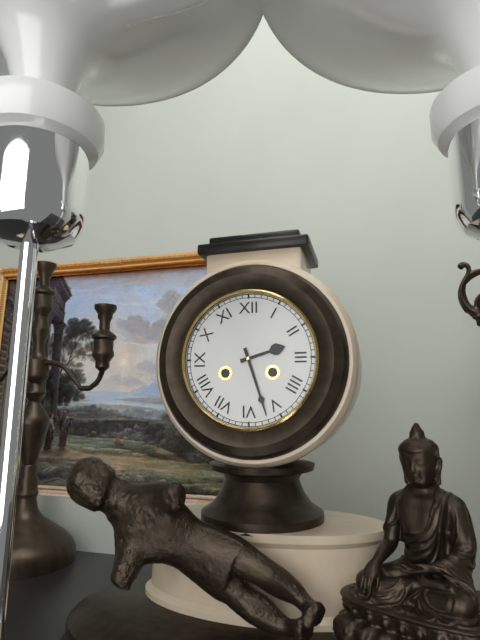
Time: {"hour": 2, "minute": 27}
